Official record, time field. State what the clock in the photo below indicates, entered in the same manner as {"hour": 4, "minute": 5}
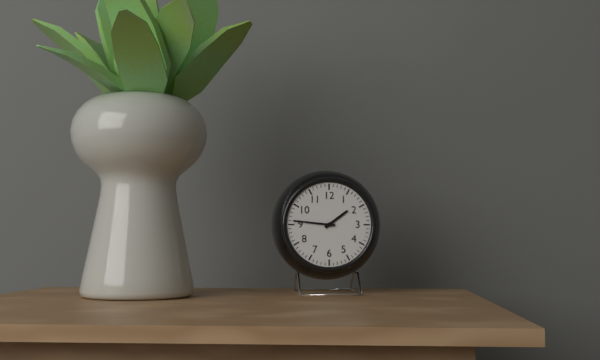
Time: {"hour": 1, "minute": 46}
